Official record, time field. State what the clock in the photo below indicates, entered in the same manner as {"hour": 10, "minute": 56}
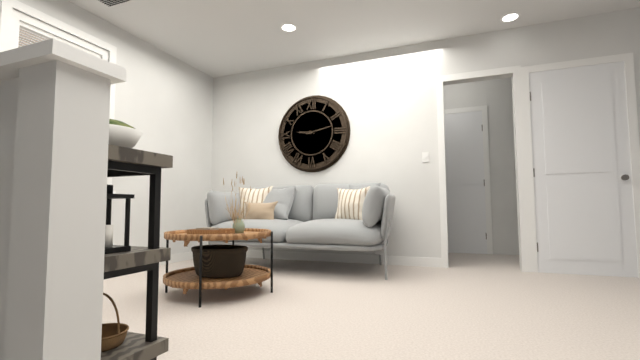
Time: {"hour": 9, "minute": 13}
